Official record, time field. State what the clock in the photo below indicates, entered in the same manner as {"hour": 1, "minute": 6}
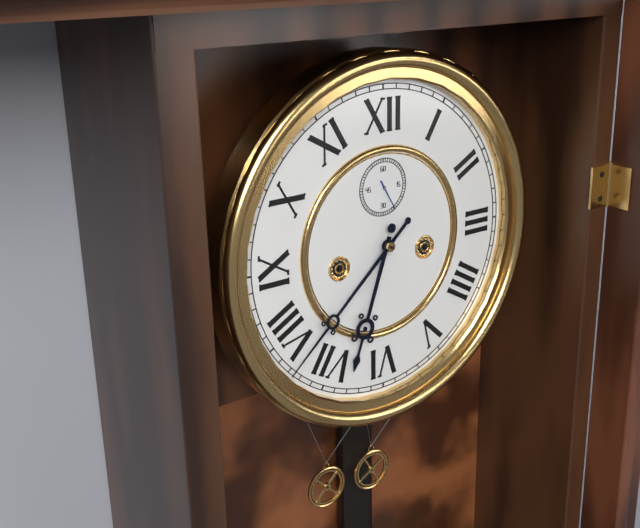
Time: {"hour": 6, "minute": 38}
